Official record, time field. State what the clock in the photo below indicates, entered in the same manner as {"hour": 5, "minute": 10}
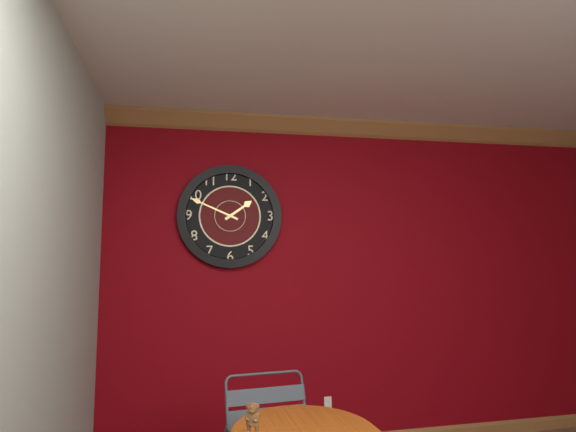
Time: {"hour": 1, "minute": 49}
